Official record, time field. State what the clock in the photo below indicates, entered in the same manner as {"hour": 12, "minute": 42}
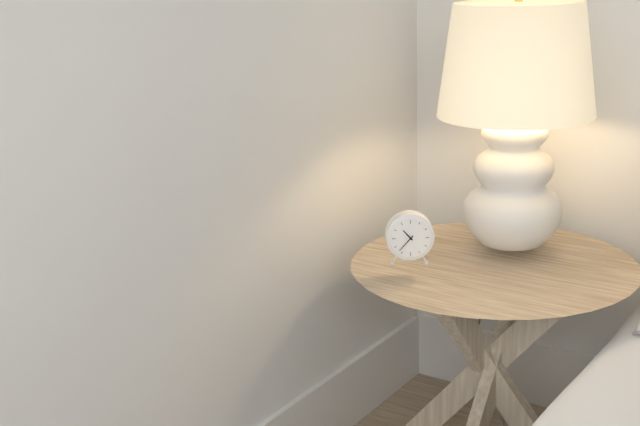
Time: {"hour": 10, "minute": 37}
